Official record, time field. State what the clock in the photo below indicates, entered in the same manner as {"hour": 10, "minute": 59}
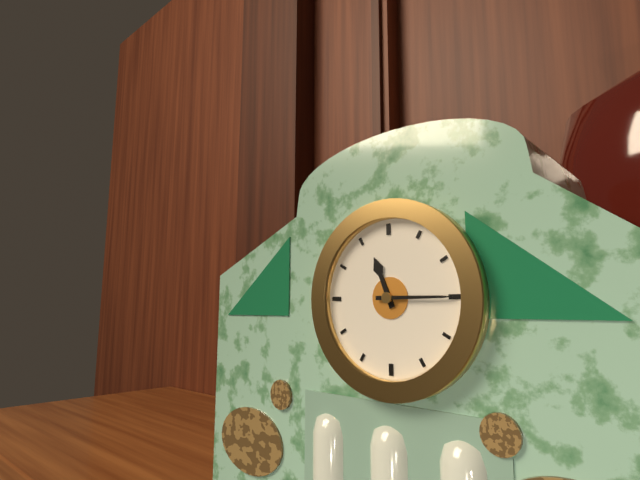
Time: {"hour": 11, "minute": 15}
